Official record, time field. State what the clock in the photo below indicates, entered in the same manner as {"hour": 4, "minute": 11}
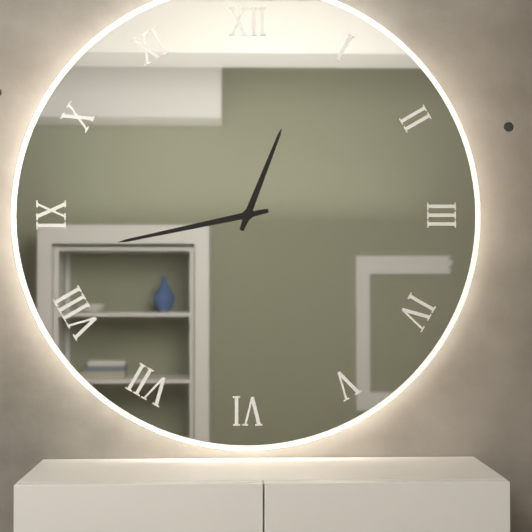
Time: {"hour": 12, "minute": 43}
